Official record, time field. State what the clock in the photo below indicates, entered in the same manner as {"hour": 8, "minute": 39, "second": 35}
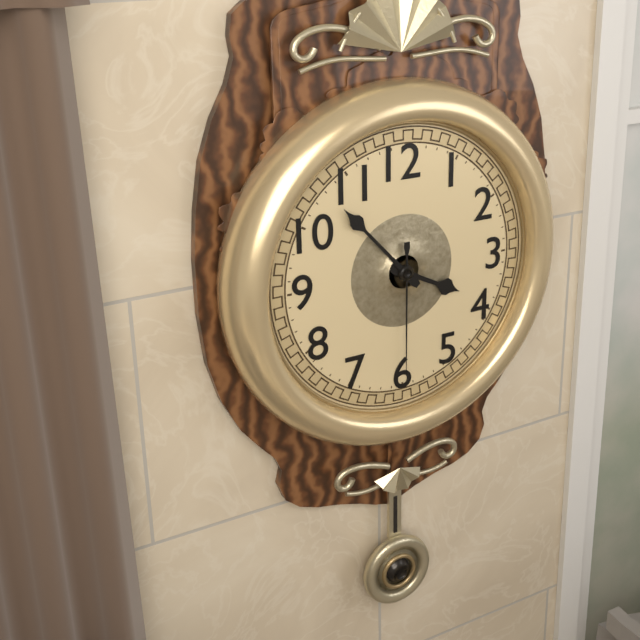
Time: {"hour": 3, "minute": 53, "second": 30}
